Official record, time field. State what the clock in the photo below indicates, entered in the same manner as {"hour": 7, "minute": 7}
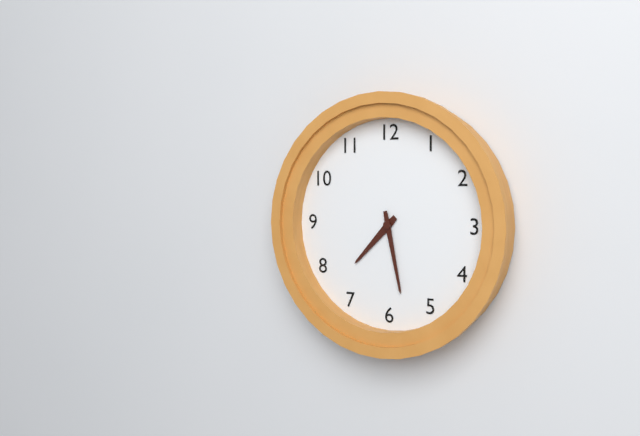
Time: {"hour": 7, "minute": 28}
